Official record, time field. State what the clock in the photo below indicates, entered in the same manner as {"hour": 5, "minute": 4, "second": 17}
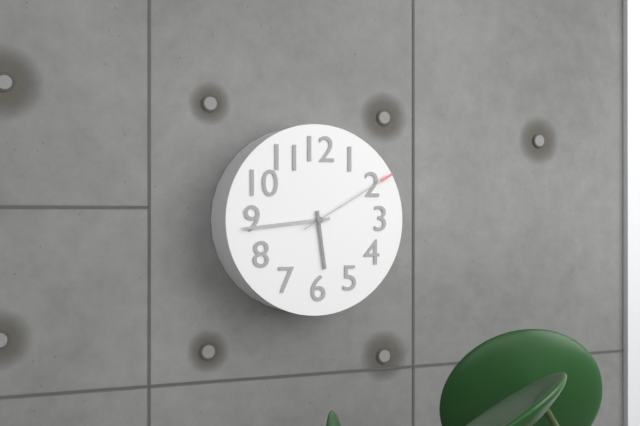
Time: {"hour": 5, "minute": 44, "second": 10}
